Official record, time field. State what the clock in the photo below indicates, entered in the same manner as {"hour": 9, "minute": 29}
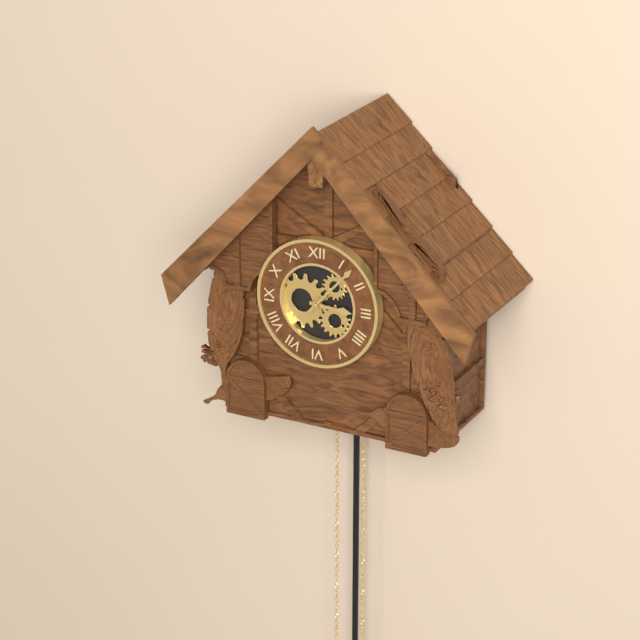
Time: {"hour": 3, "minute": 7}
